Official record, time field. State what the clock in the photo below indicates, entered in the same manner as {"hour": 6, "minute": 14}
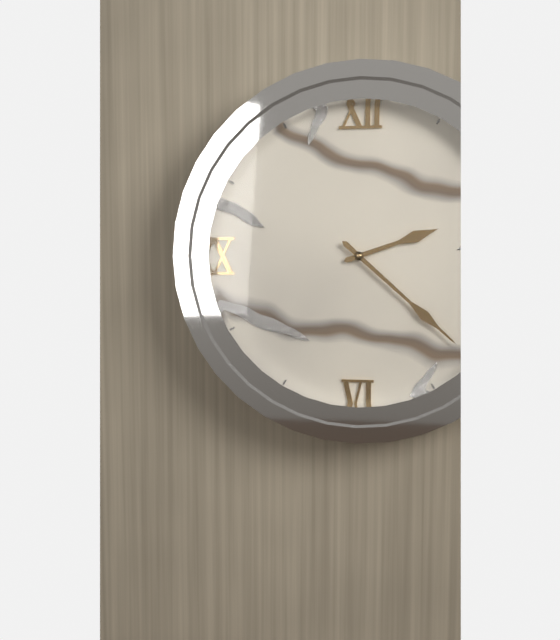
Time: {"hour": 2, "minute": 22}
